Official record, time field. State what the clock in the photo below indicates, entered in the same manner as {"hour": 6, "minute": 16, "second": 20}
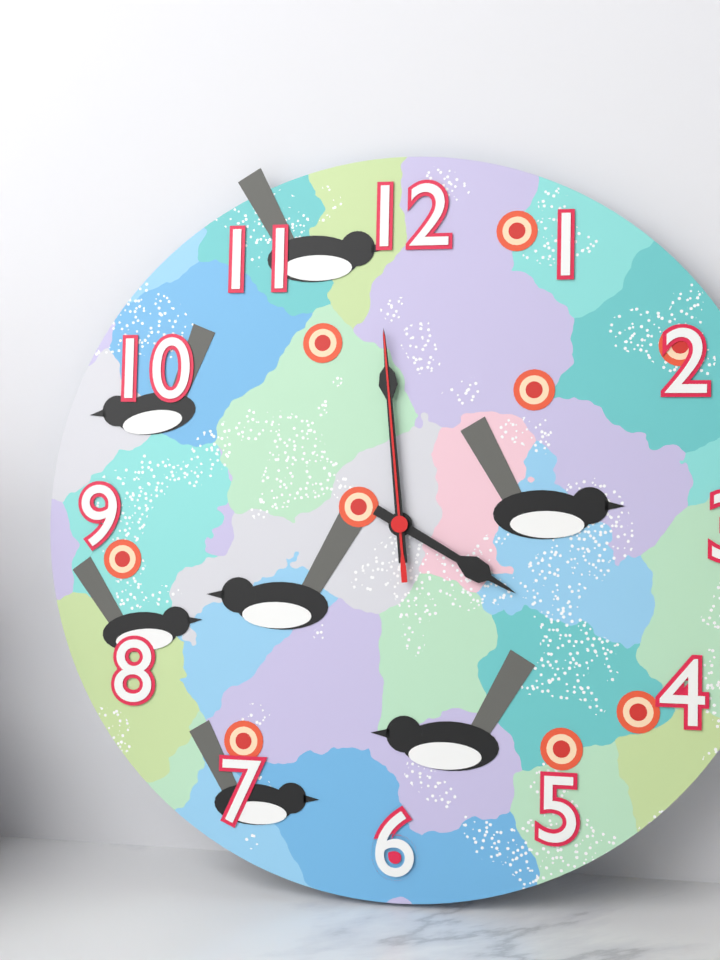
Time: {"hour": 3, "minute": 59, "second": 59}
